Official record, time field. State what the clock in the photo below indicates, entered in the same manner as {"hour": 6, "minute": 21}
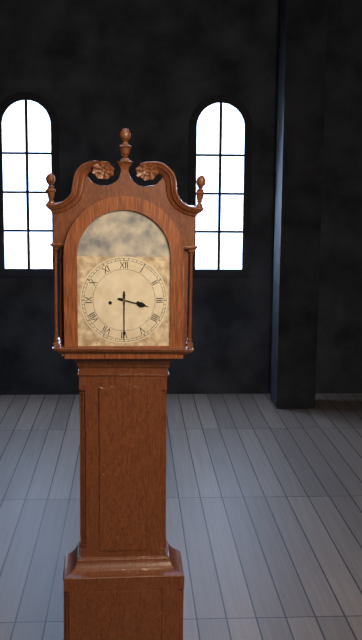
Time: {"hour": 3, "minute": 30}
